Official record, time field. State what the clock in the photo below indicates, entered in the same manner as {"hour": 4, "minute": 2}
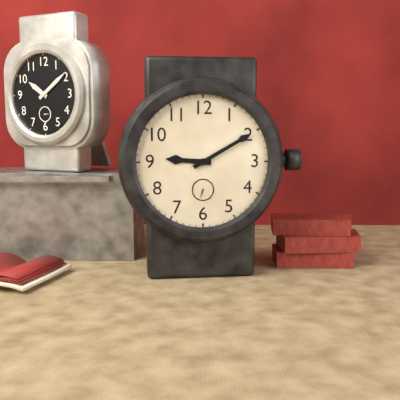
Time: {"hour": 9, "minute": 10}
